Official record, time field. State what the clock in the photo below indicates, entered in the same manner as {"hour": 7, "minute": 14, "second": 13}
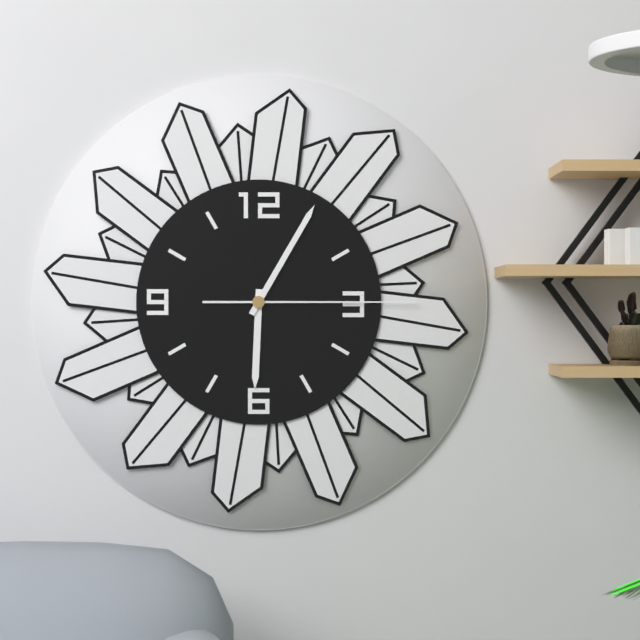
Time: {"hour": 6, "minute": 5, "second": 15}
